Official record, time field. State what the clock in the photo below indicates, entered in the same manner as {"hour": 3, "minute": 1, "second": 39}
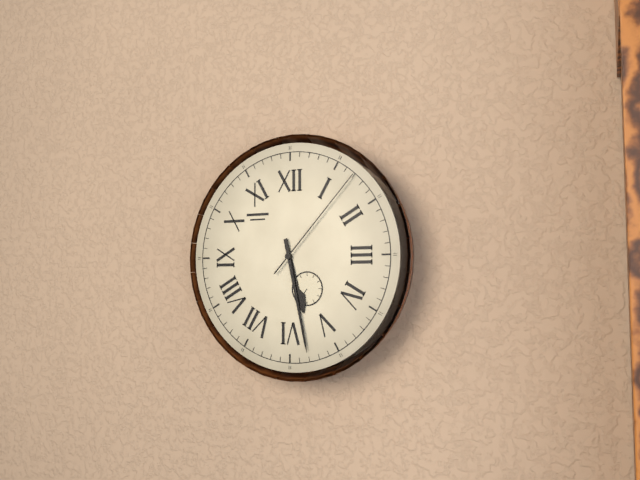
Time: {"hour": 5, "minute": 28, "second": 7}
